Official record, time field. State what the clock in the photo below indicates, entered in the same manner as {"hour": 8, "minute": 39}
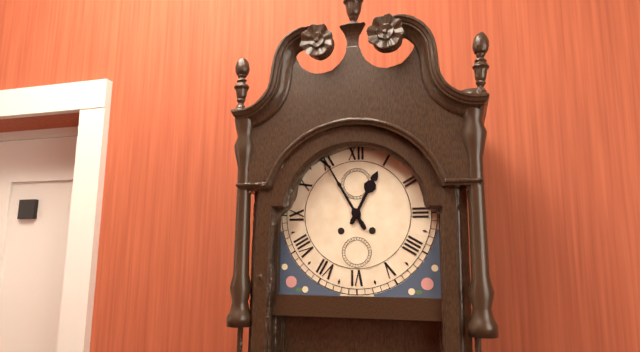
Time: {"hour": 12, "minute": 55}
